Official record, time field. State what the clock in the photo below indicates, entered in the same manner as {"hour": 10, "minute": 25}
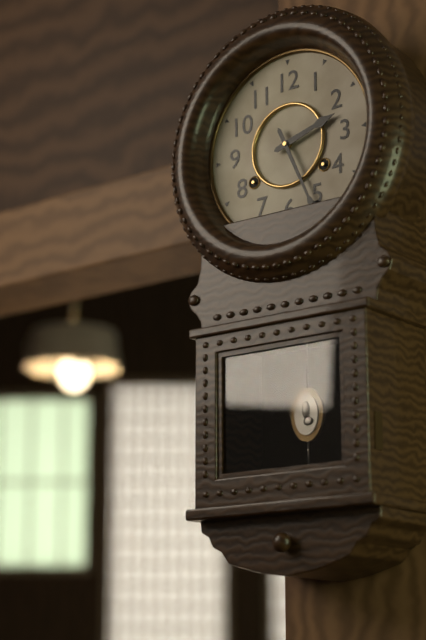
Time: {"hour": 2, "minute": 26}
